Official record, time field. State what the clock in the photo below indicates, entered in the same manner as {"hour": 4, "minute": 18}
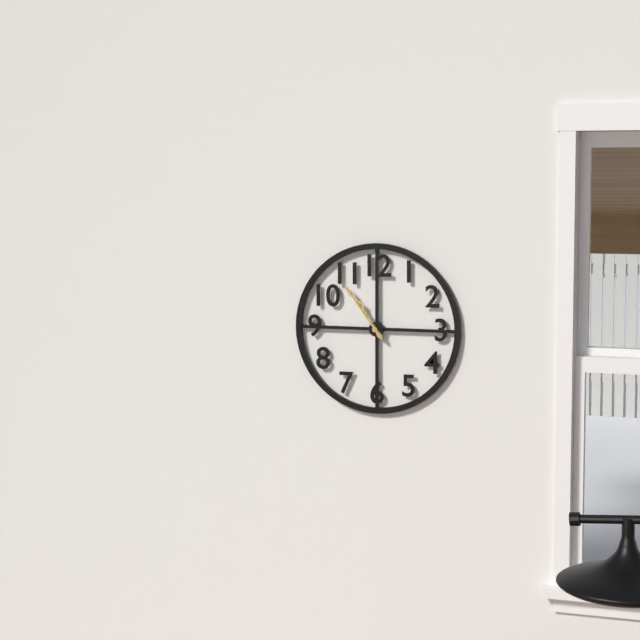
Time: {"hour": 10, "minute": 54}
